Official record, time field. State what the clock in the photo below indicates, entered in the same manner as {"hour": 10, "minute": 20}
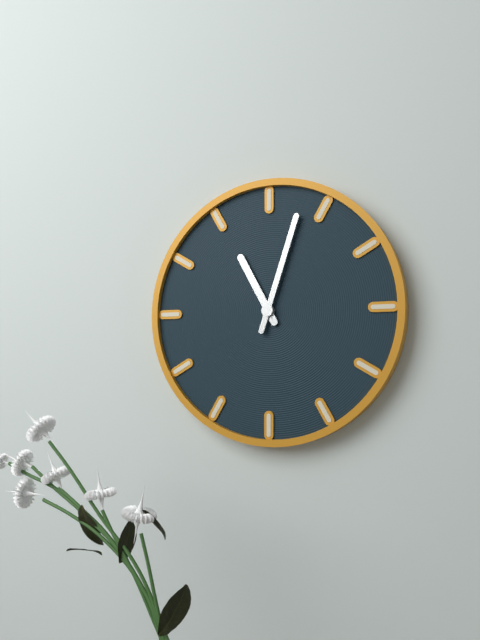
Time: {"hour": 11, "minute": 3}
